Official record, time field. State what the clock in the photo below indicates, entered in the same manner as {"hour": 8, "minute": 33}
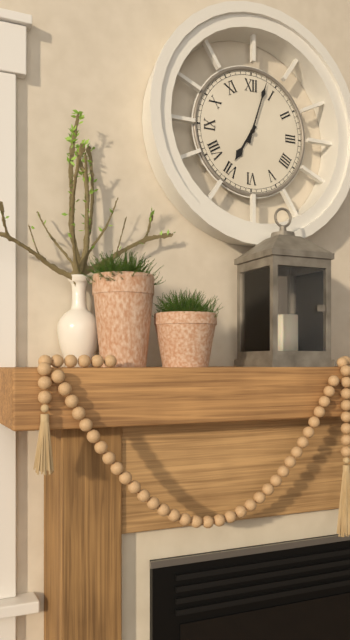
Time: {"hour": 7, "minute": 3}
